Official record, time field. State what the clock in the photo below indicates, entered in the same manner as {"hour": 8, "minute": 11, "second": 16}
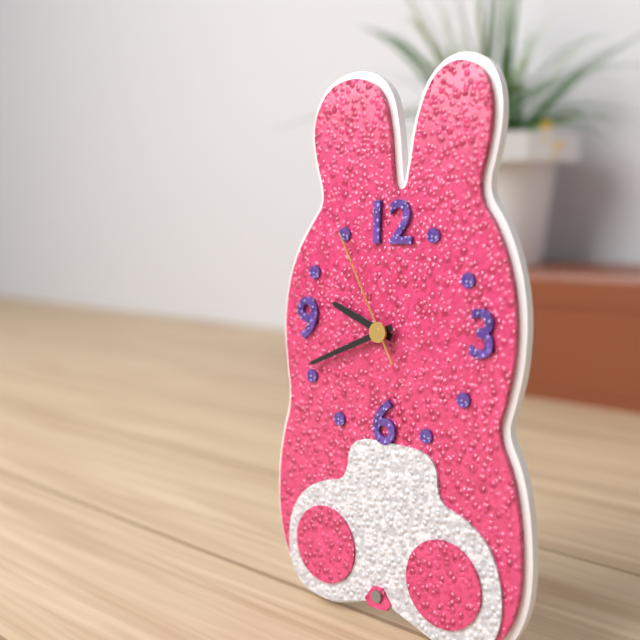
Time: {"hour": 9, "minute": 41, "second": 55}
